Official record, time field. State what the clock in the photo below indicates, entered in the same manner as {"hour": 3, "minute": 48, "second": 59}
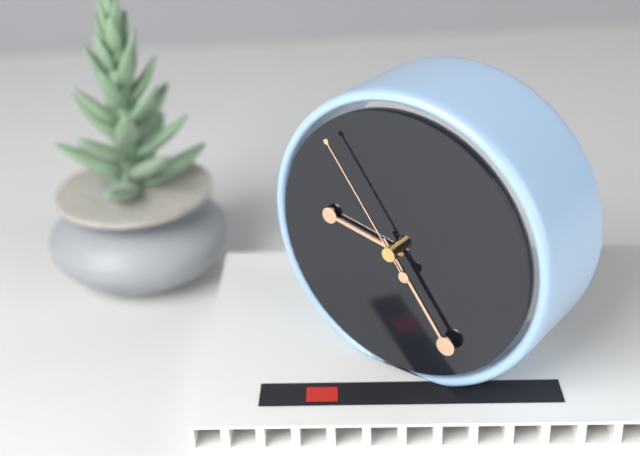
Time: {"hour": 9, "minute": 24, "second": 54}
